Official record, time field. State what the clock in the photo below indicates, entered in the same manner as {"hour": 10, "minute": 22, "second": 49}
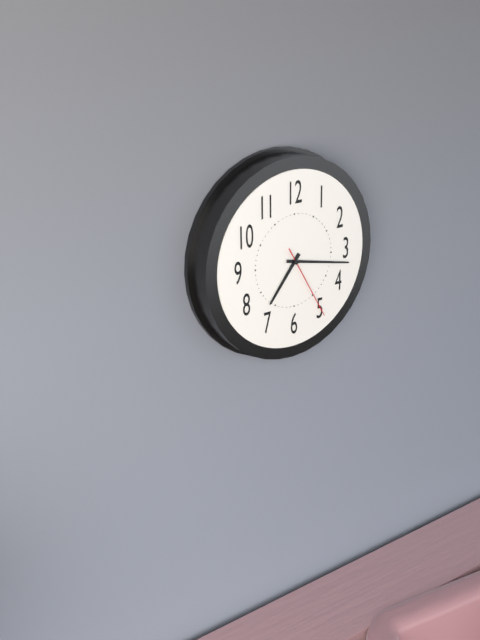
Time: {"hour": 7, "minute": 17, "second": 25}
